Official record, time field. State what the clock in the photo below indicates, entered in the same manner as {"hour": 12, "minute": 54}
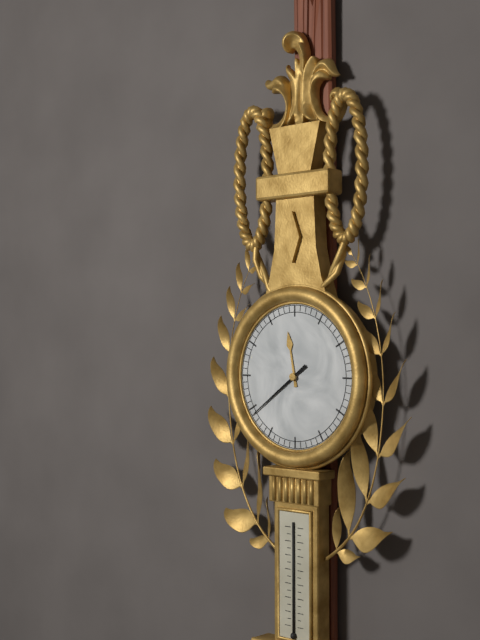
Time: {"hour": 11, "minute": 39}
